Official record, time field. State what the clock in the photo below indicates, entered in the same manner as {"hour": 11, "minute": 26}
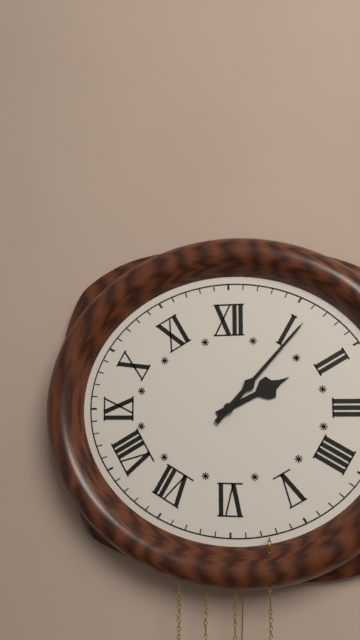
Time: {"hour": 2, "minute": 7}
